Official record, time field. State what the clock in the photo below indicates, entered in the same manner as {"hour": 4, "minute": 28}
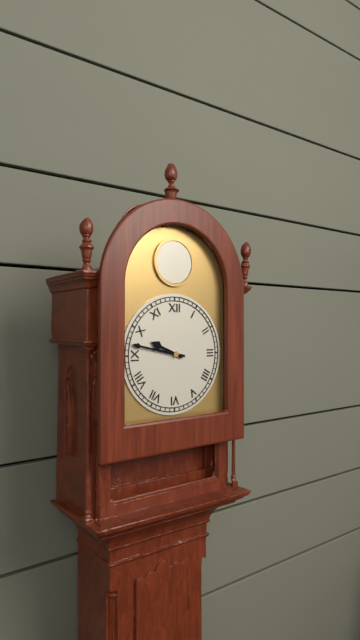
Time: {"hour": 9, "minute": 47}
